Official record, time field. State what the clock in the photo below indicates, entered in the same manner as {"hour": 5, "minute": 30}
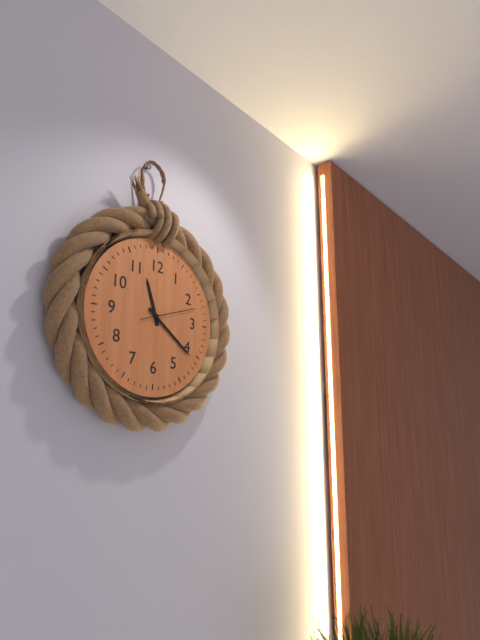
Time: {"hour": 11, "minute": 21}
